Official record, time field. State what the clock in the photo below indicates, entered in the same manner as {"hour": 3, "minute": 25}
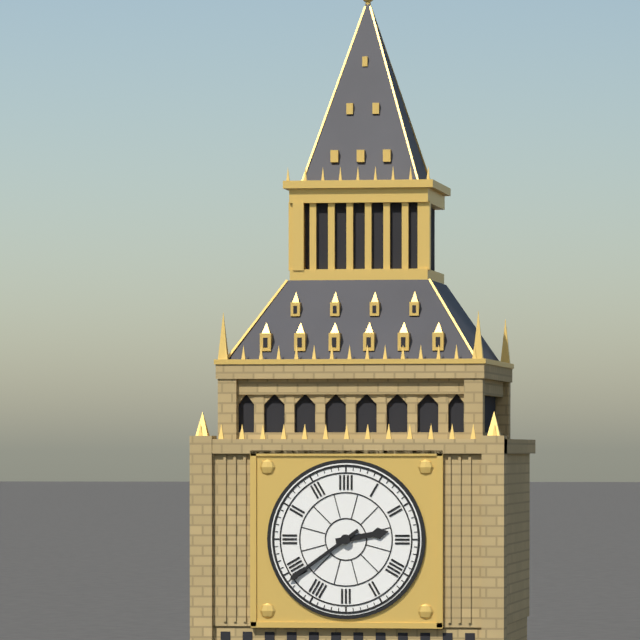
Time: {"hour": 2, "minute": 39}
